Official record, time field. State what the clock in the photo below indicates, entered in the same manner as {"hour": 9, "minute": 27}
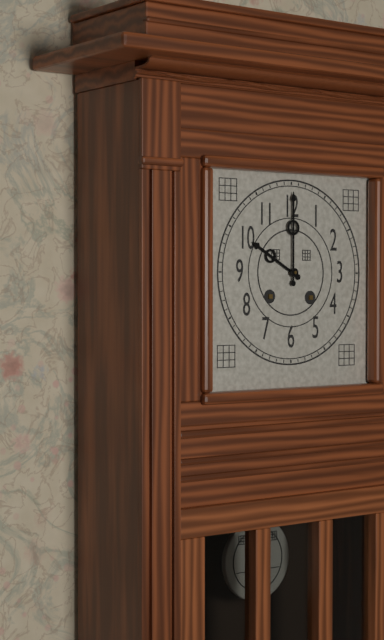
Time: {"hour": 10, "minute": 0}
